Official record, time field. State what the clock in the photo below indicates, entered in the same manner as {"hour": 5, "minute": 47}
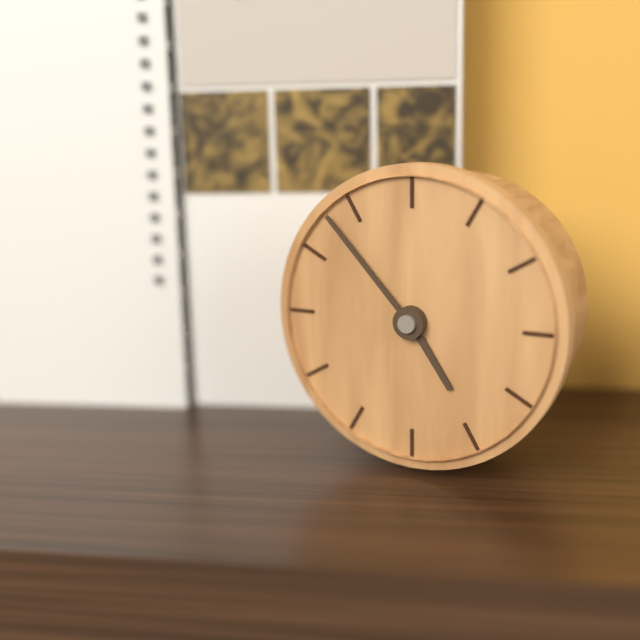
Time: {"hour": 4, "minute": 53}
